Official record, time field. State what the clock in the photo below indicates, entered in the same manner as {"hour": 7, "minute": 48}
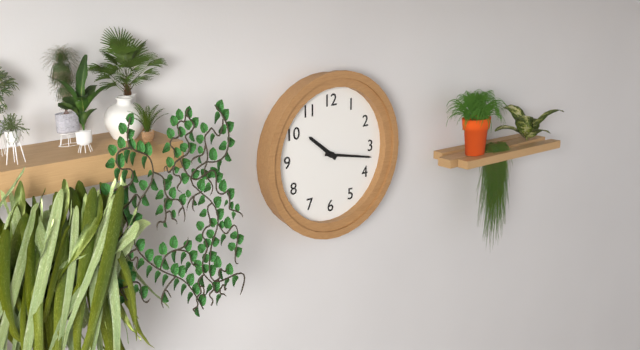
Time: {"hour": 10, "minute": 17}
